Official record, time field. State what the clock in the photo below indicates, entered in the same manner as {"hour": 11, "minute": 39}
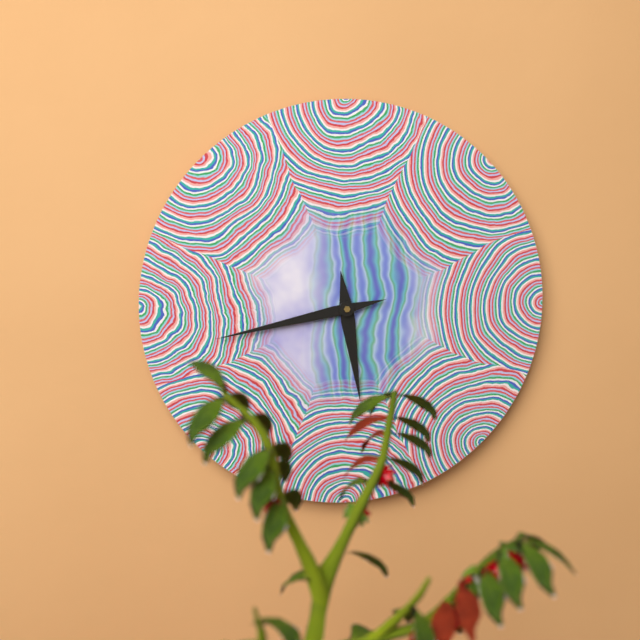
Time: {"hour": 5, "minute": 43}
